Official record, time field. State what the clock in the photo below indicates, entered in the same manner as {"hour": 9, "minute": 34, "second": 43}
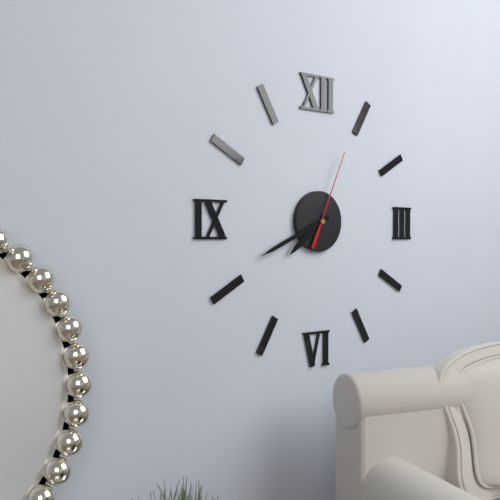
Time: {"hour": 7, "minute": 41, "second": 4}
